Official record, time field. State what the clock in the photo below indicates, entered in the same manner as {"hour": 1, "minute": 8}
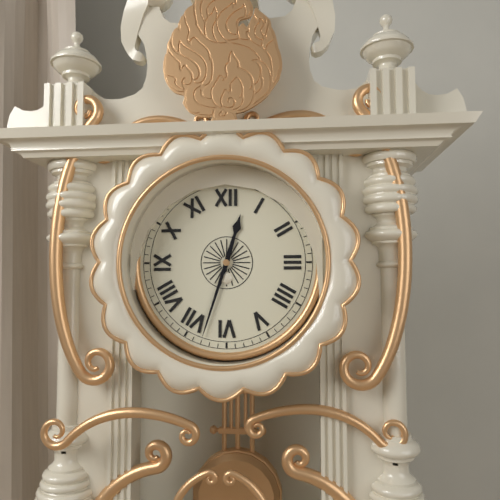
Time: {"hour": 12, "minute": 33}
